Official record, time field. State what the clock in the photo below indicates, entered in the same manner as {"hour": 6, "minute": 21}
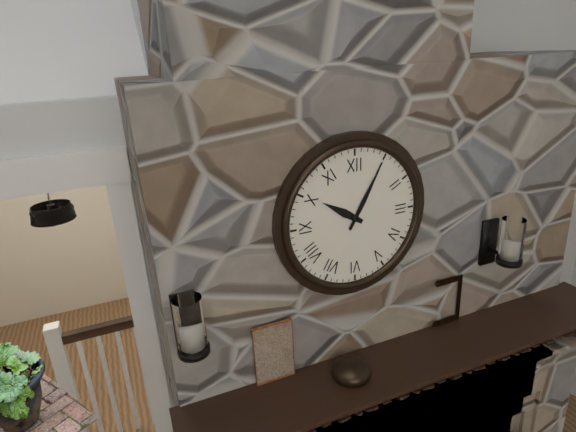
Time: {"hour": 10, "minute": 5}
